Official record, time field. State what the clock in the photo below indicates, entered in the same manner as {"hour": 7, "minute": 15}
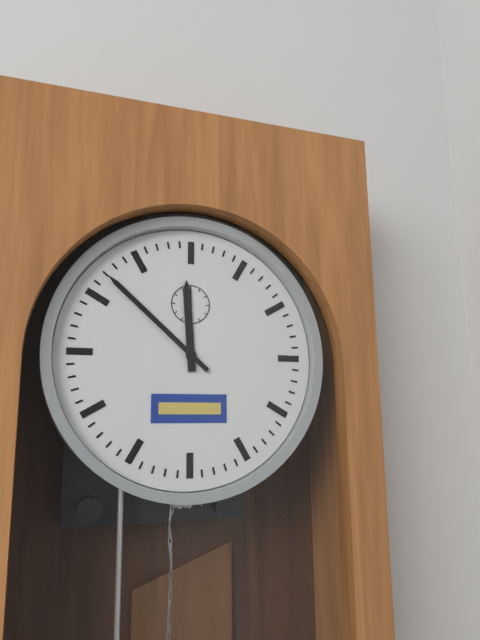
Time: {"hour": 11, "minute": 52}
